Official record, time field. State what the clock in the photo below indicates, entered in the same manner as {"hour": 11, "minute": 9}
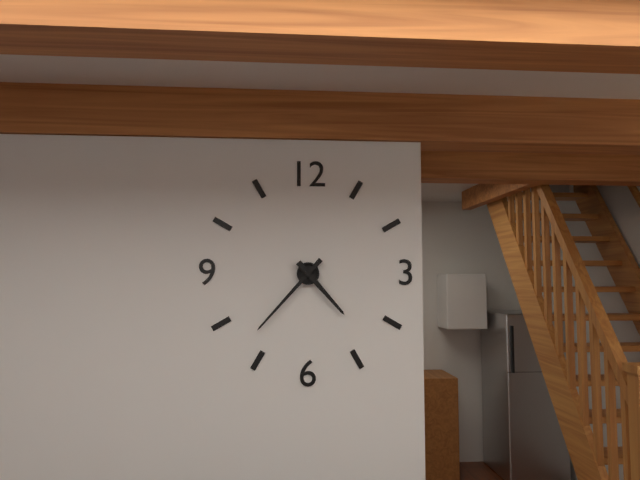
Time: {"hour": 4, "minute": 37}
